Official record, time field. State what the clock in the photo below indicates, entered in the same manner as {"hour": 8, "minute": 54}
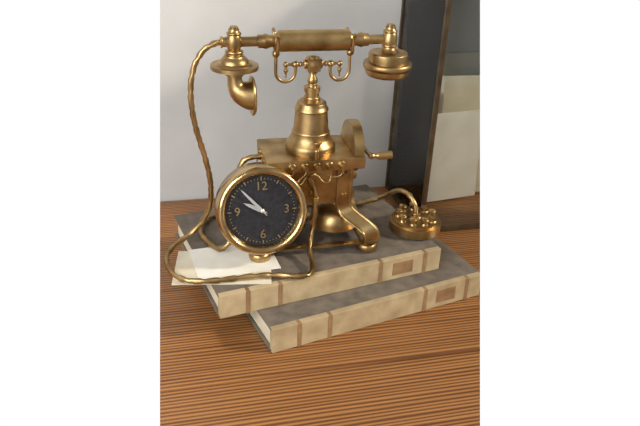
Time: {"hour": 9, "minute": 53}
